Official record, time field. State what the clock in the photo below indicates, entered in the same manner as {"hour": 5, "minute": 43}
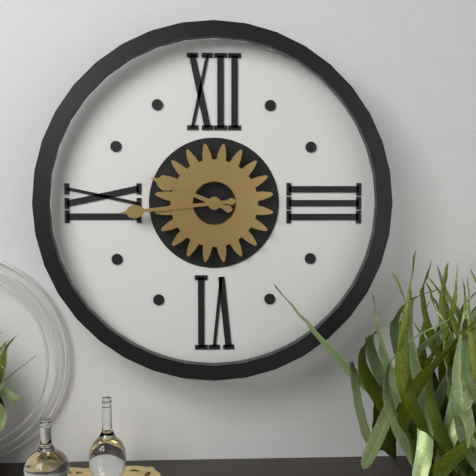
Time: {"hour": 9, "minute": 44}
